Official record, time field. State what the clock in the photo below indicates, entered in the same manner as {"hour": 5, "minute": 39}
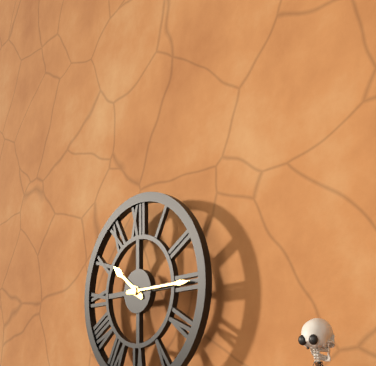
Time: {"hour": 10, "minute": 15}
